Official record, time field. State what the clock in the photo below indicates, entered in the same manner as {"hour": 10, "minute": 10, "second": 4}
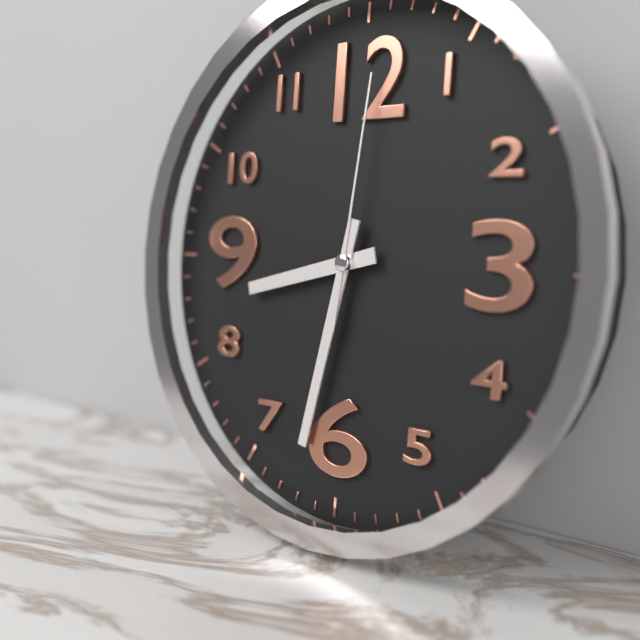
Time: {"hour": 8, "minute": 32, "second": 1}
